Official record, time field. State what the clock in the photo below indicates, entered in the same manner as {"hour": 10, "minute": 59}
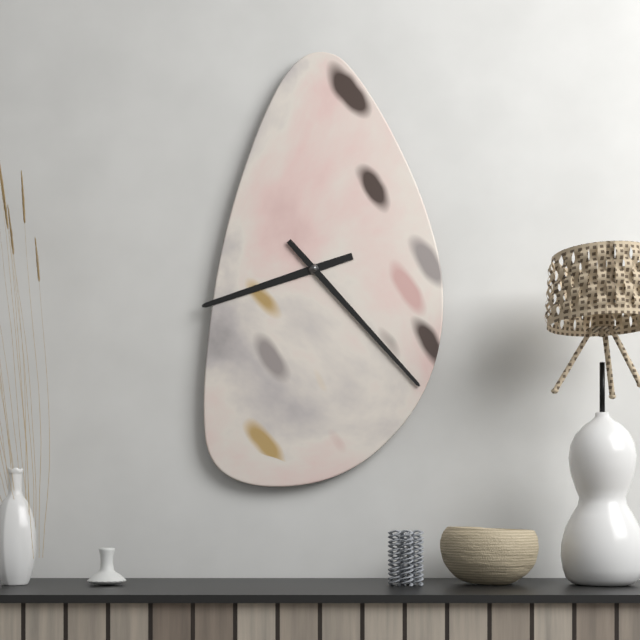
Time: {"hour": 8, "minute": 23}
